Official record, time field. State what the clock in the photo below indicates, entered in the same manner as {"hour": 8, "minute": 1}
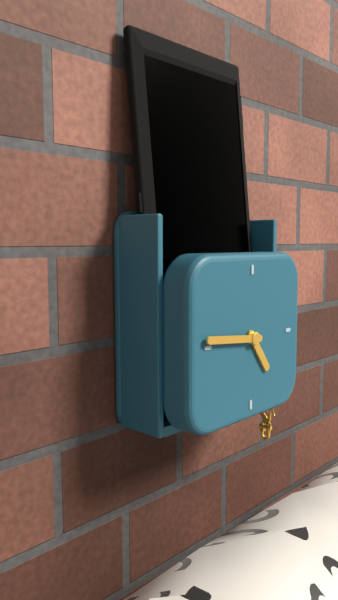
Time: {"hour": 4, "minute": 46}
